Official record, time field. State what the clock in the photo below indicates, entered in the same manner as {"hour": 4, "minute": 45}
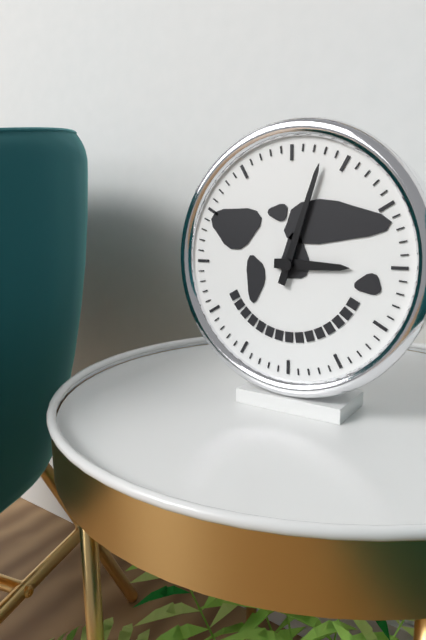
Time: {"hour": 3, "minute": 3}
